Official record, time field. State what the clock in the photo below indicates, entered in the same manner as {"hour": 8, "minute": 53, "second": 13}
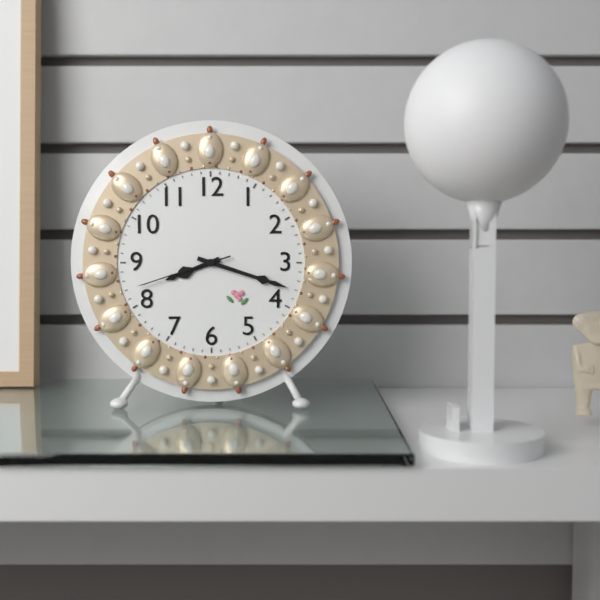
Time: {"hour": 8, "minute": 18, "second": 42}
